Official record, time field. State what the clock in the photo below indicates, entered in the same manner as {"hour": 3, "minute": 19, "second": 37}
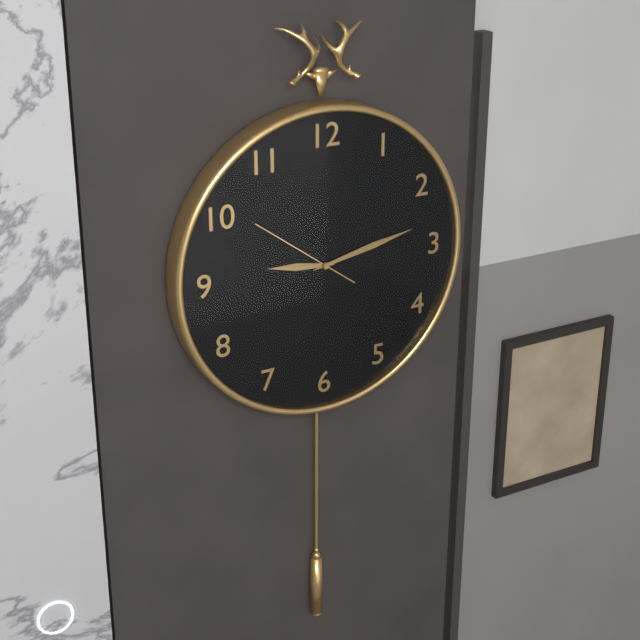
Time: {"hour": 9, "minute": 13, "second": 51}
